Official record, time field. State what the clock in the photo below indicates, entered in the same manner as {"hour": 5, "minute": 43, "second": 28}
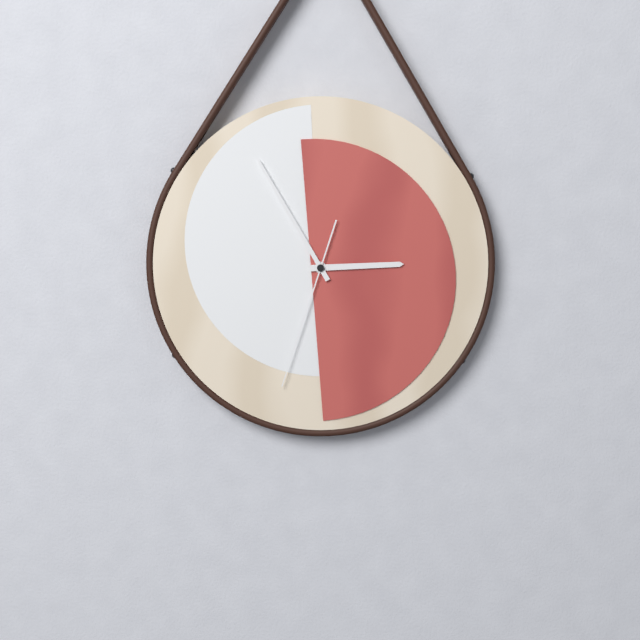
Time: {"hour": 2, "minute": 55, "second": 33}
